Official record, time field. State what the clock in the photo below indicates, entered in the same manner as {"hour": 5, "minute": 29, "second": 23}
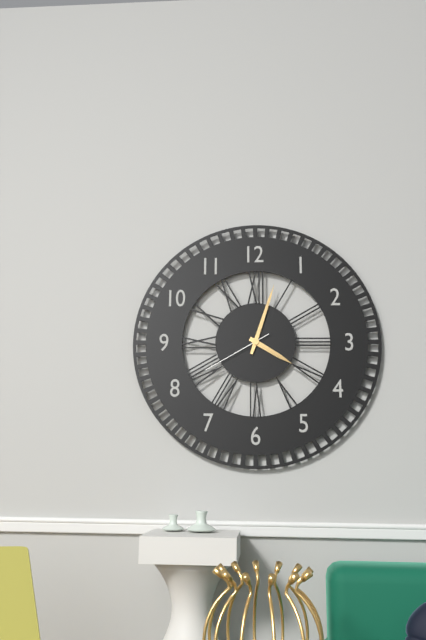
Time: {"hour": 4, "minute": 3, "second": 40}
